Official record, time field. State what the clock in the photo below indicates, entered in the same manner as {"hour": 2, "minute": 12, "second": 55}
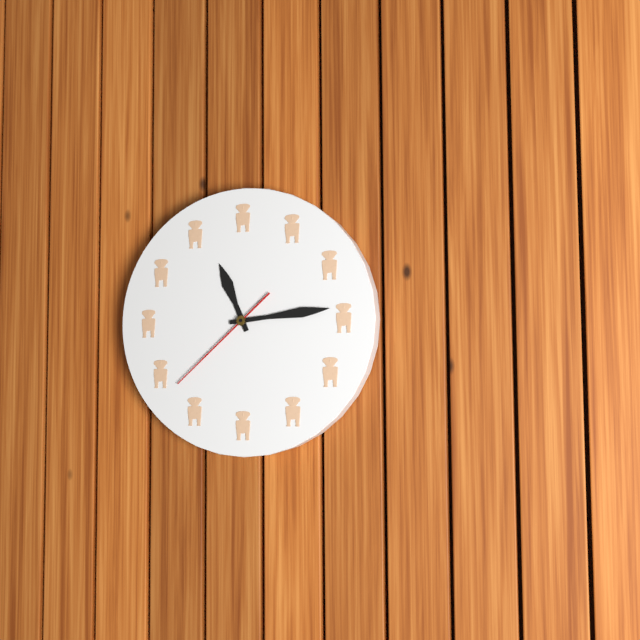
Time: {"hour": 11, "minute": 14, "second": 38}
